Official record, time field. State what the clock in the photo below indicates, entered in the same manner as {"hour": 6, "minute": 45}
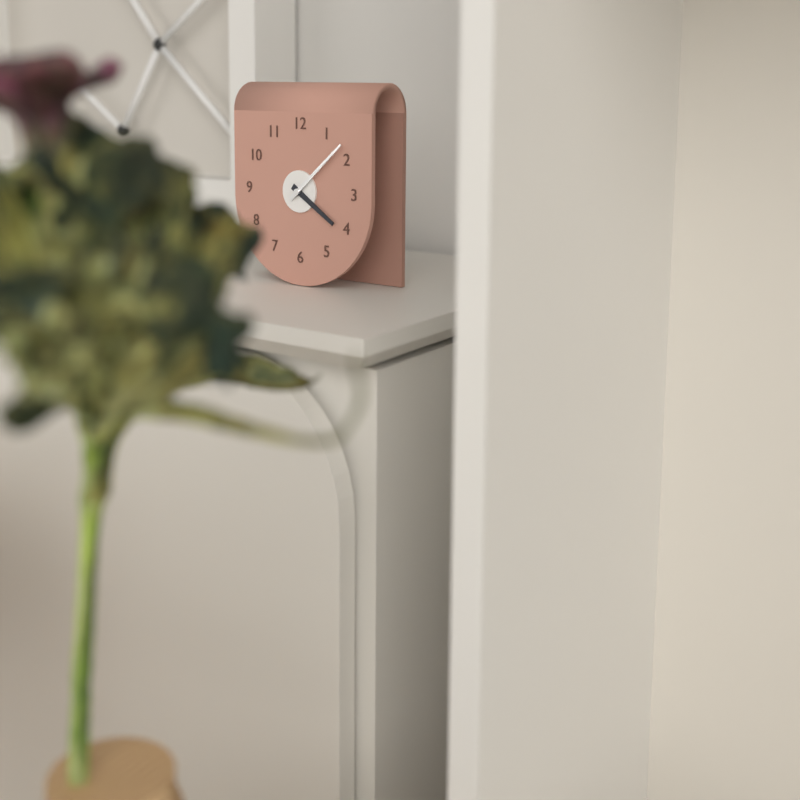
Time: {"hour": 4, "minute": 8}
